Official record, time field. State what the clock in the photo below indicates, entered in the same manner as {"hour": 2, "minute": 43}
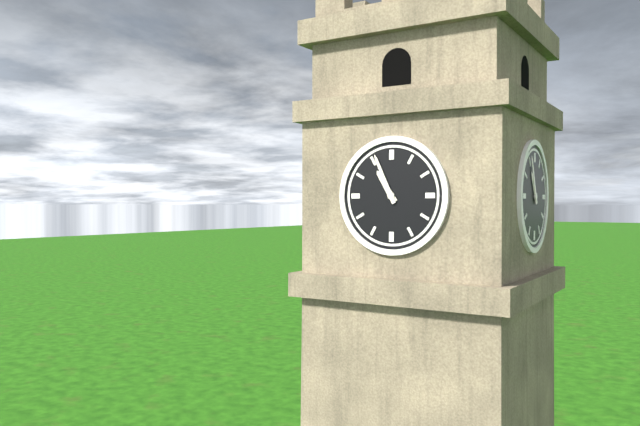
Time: {"hour": 10, "minute": 56}
